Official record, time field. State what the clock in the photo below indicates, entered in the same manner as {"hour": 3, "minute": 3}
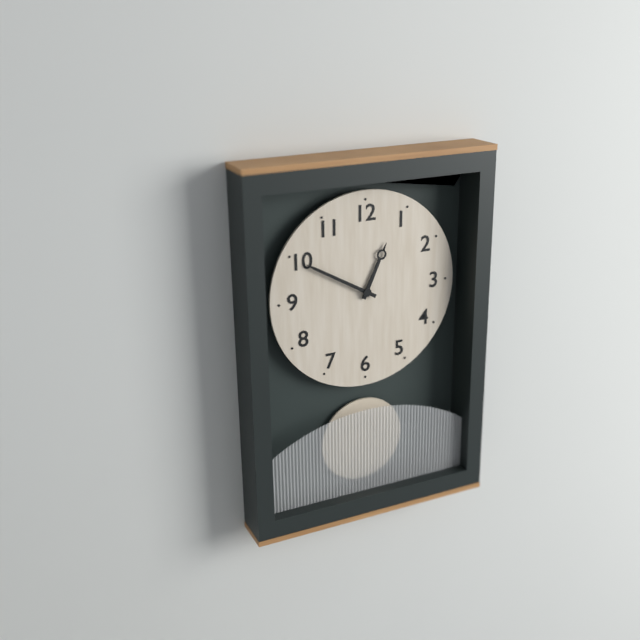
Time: {"hour": 12, "minute": 50}
